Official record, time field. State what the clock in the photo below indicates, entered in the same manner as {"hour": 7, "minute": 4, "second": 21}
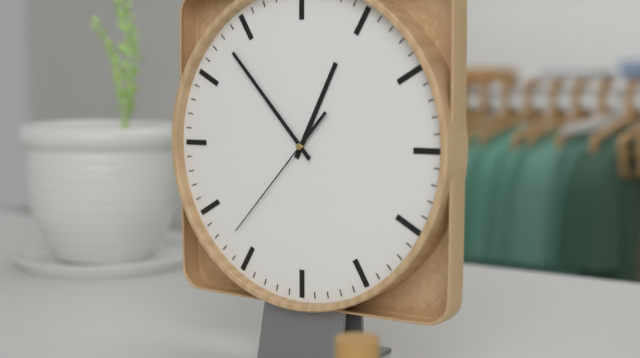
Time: {"hour": 12, "minute": 53, "second": 37}
